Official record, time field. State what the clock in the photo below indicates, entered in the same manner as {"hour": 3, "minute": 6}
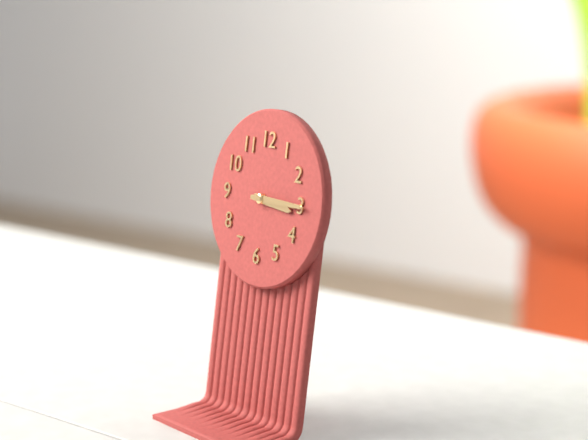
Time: {"hour": 3, "minute": 15}
